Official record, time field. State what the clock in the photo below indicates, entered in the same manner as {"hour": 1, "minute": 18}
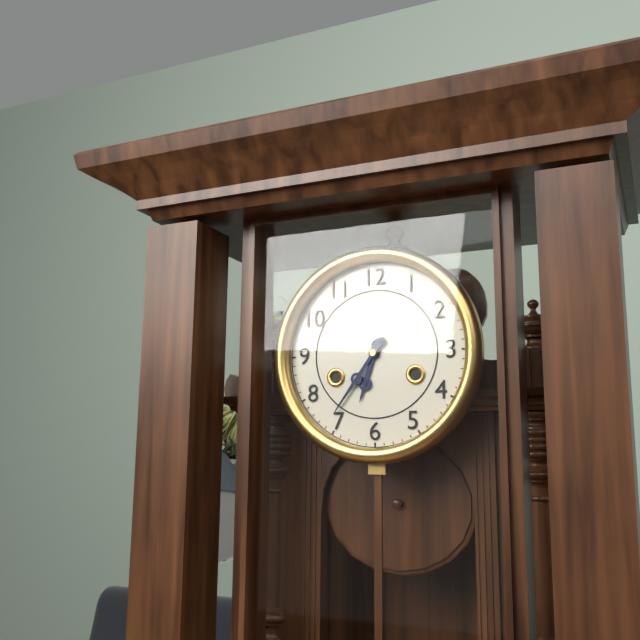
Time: {"hour": 6, "minute": 36}
